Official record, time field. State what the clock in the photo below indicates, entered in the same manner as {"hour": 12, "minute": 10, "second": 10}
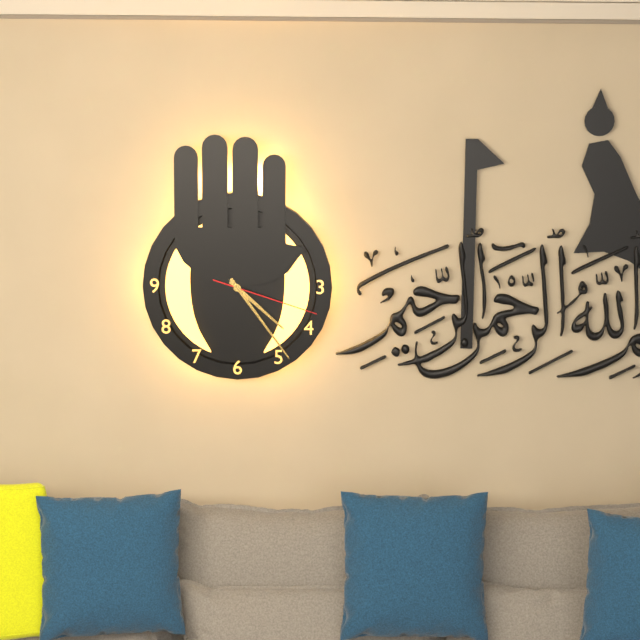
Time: {"hour": 4, "minute": 24, "second": 18}
